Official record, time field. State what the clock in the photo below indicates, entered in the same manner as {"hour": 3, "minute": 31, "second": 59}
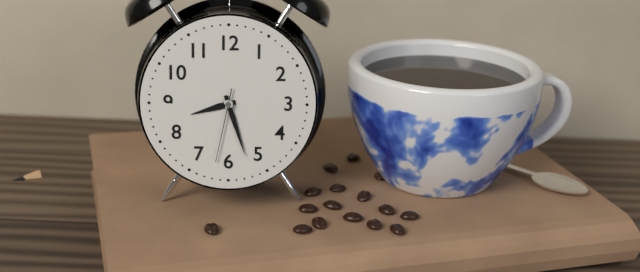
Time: {"hour": 8, "minute": 27, "second": 32}
